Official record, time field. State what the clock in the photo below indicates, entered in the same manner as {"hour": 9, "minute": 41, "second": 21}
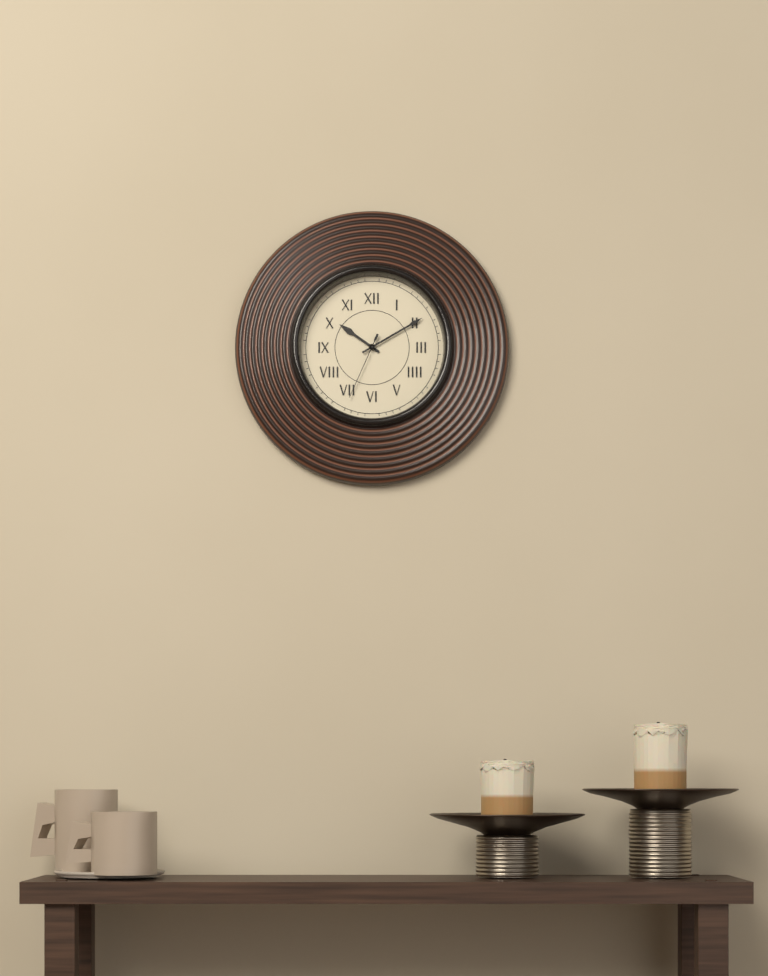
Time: {"hour": 10, "minute": 10, "second": 34}
